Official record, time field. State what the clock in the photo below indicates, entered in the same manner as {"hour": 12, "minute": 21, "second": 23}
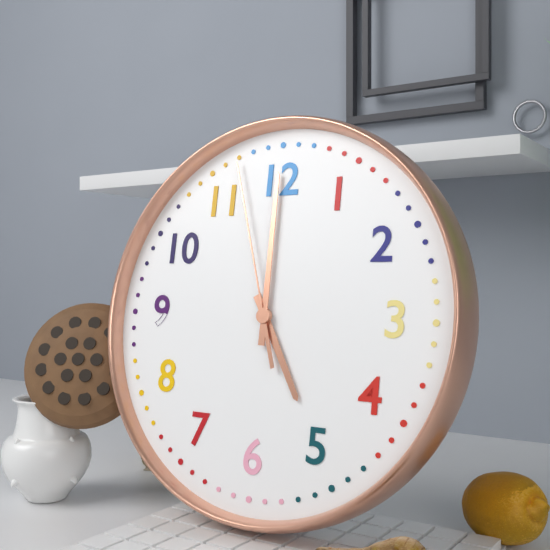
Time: {"hour": 5, "minute": 0, "second": 57}
